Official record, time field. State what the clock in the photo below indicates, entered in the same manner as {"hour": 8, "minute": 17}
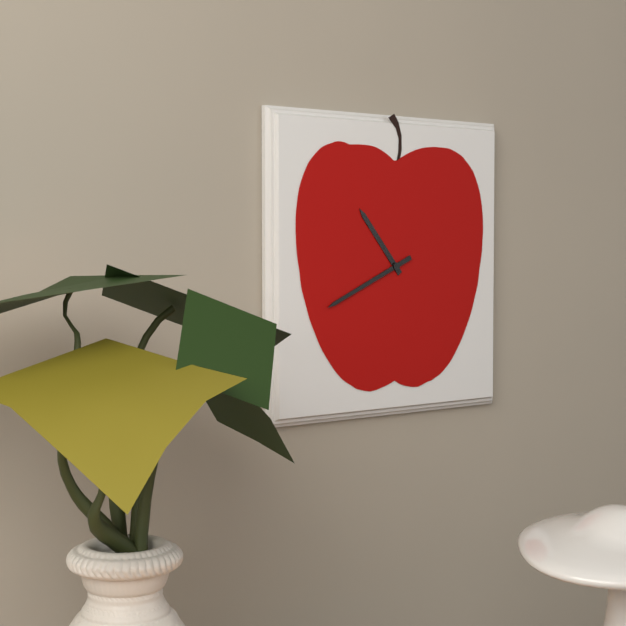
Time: {"hour": 10, "minute": 41}
